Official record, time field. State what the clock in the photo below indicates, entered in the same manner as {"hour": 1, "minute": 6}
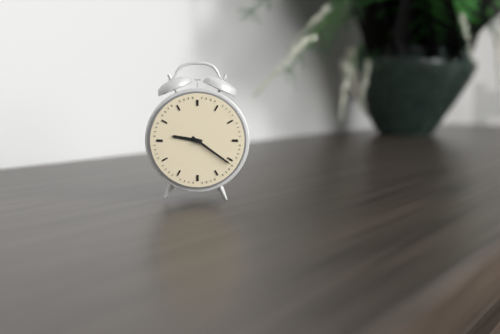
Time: {"hour": 9, "minute": 21}
